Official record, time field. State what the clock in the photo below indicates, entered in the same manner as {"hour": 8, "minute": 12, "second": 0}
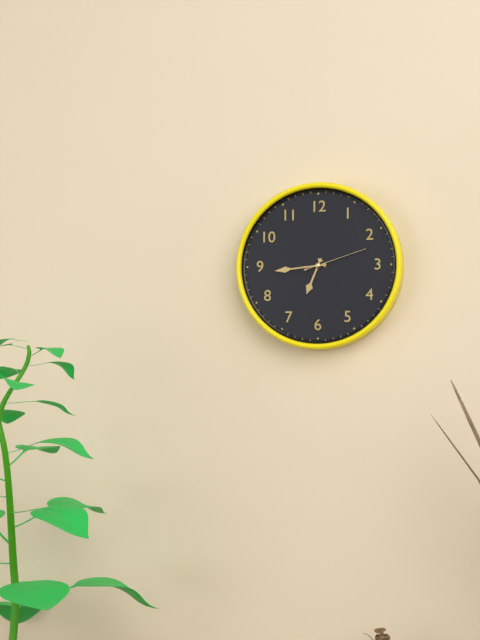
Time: {"hour": 6, "minute": 44, "second": 12}
